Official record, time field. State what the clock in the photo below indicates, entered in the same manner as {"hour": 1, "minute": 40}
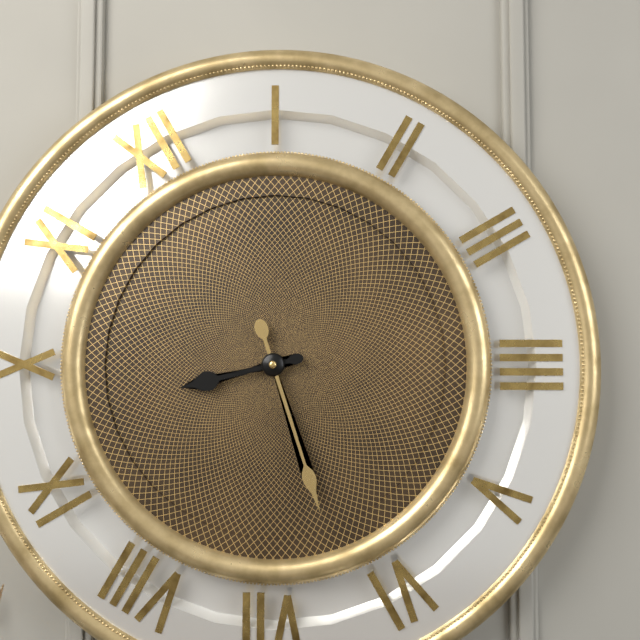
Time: {"hour": 9, "minute": 32}
